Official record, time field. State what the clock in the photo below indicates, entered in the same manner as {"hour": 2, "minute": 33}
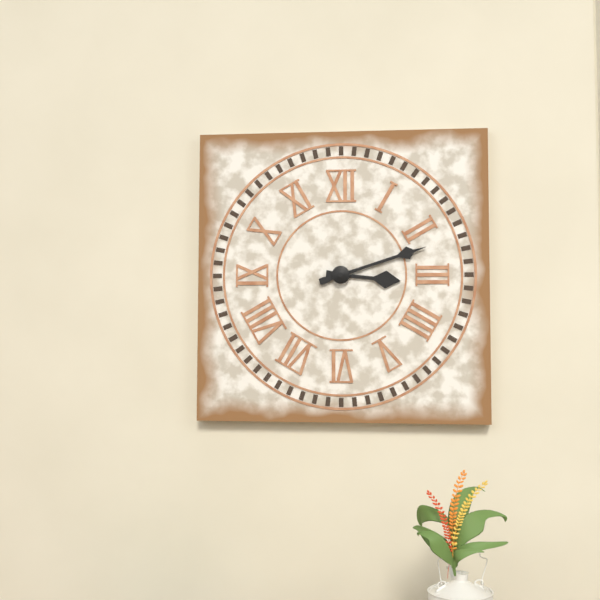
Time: {"hour": 3, "minute": 12}
